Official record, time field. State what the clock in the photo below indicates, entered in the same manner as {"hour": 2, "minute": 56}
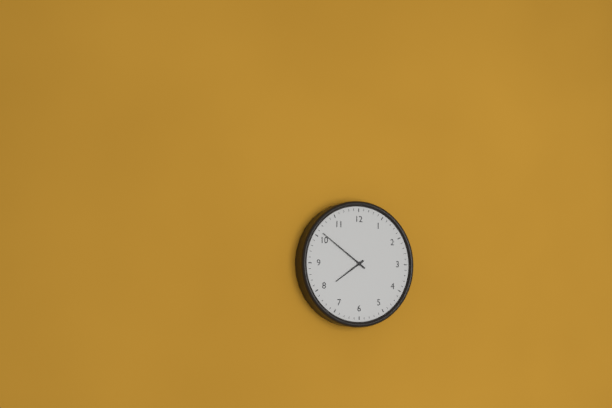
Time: {"hour": 7, "minute": 51}
